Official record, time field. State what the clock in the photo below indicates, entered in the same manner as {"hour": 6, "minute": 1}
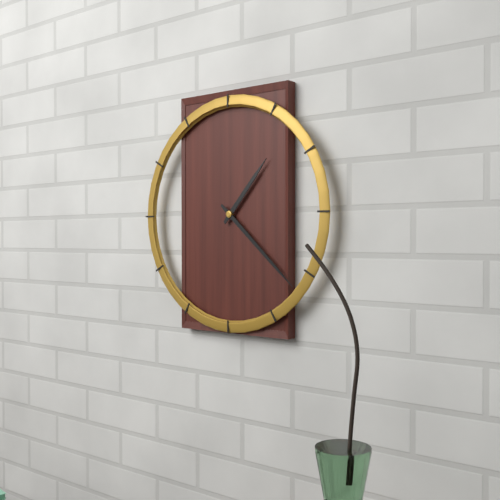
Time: {"hour": 1, "minute": 22}
